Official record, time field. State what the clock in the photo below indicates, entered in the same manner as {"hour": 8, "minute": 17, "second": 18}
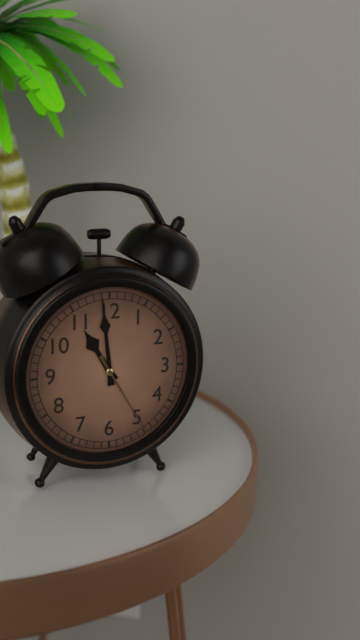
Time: {"hour": 10, "minute": 59, "second": 25}
